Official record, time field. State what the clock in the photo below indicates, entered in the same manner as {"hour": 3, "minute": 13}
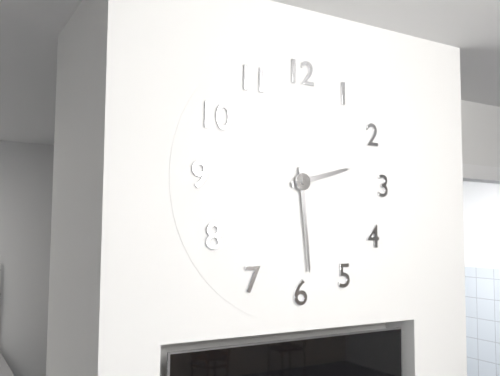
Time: {"hour": 2, "minute": 29}
